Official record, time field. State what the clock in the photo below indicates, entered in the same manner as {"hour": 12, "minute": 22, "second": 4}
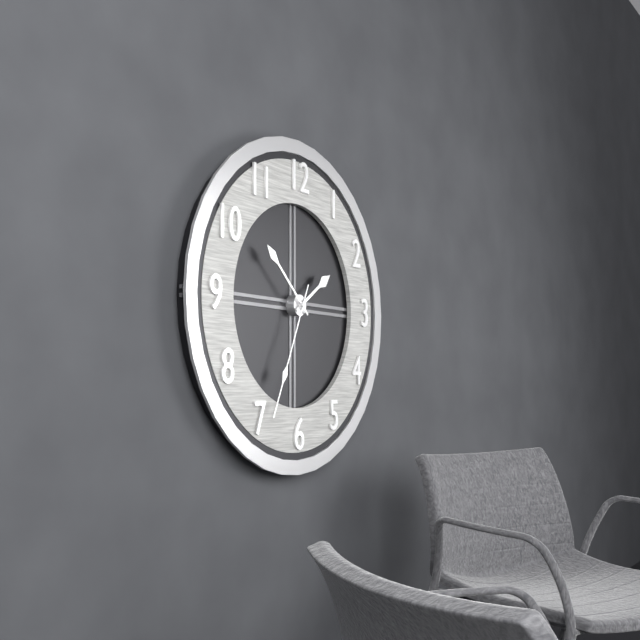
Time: {"hour": 1, "minute": 52, "second": 34}
